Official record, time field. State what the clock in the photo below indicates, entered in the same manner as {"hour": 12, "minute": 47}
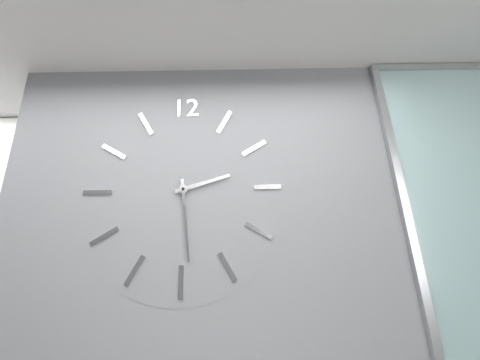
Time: {"hour": 2, "minute": 29}
